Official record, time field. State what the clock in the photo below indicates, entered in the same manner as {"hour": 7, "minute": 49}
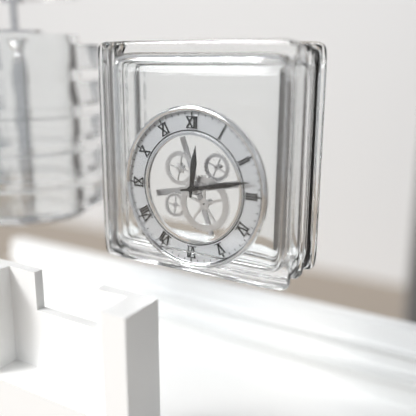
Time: {"hour": 12, "minute": 13}
